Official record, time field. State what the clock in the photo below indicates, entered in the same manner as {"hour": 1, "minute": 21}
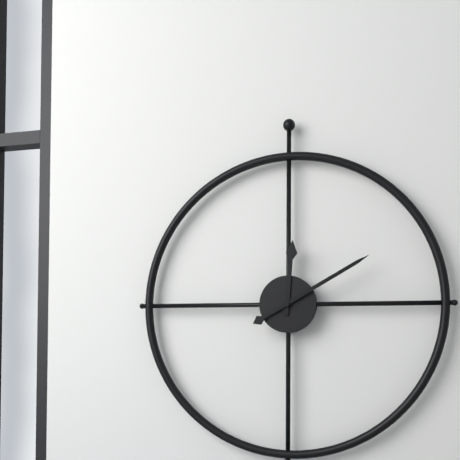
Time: {"hour": 12, "minute": 10}
